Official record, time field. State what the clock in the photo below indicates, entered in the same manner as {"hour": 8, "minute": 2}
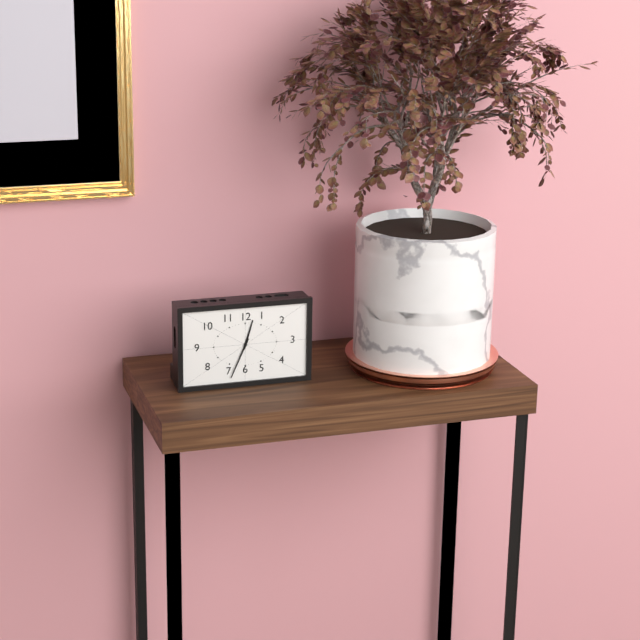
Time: {"hour": 12, "minute": 34}
